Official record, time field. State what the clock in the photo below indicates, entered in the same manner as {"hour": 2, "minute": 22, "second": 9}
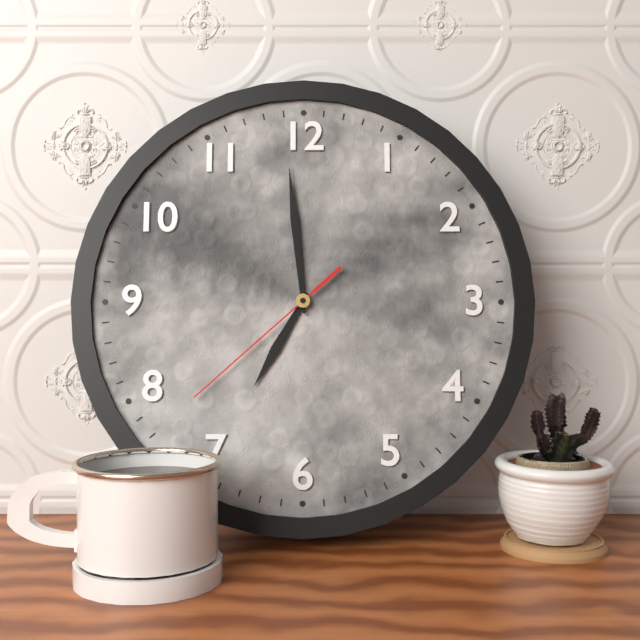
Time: {"hour": 6, "minute": 59, "second": 38}
